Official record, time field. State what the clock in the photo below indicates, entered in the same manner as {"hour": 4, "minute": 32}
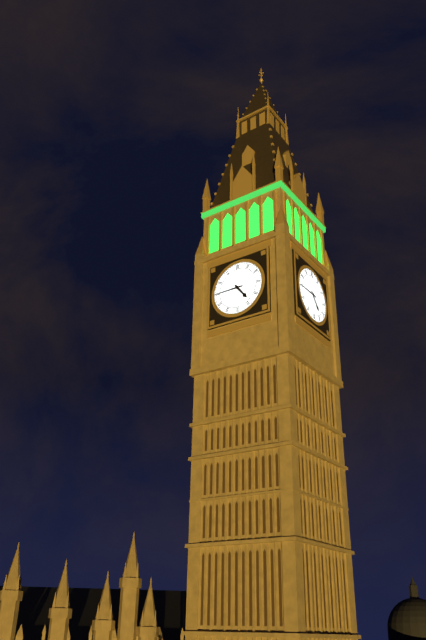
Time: {"hour": 4, "minute": 45}
